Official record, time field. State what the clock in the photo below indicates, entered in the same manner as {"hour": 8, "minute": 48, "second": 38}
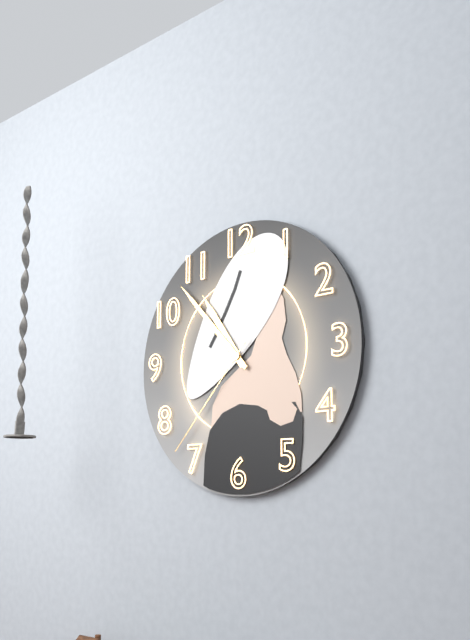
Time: {"hour": 10, "minute": 53, "second": 37}
